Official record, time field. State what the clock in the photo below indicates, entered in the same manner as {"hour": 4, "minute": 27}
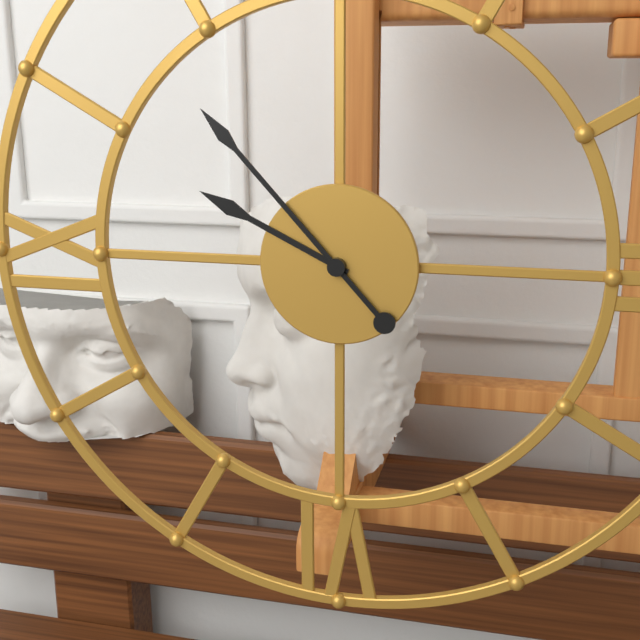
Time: {"hour": 9, "minute": 53}
